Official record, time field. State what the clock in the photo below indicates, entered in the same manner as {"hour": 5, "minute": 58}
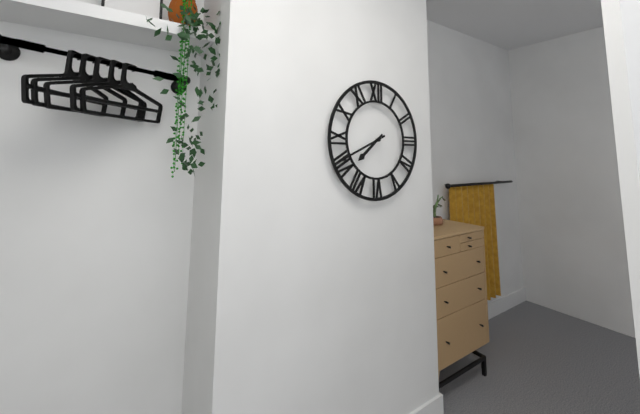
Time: {"hour": 7, "minute": 41}
